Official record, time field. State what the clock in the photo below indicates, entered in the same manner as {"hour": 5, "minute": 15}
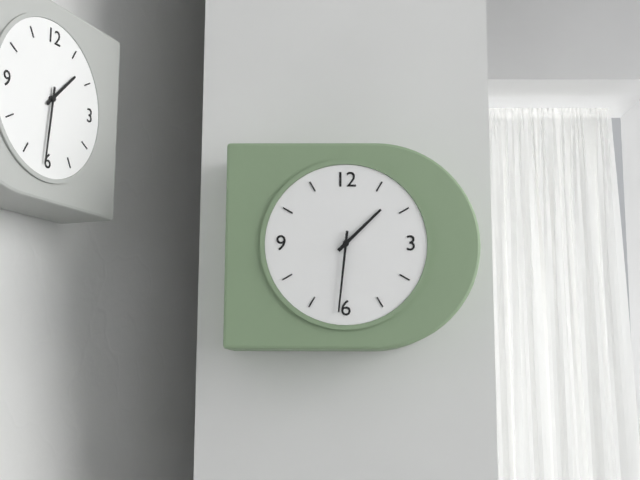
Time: {"hour": 1, "minute": 31}
